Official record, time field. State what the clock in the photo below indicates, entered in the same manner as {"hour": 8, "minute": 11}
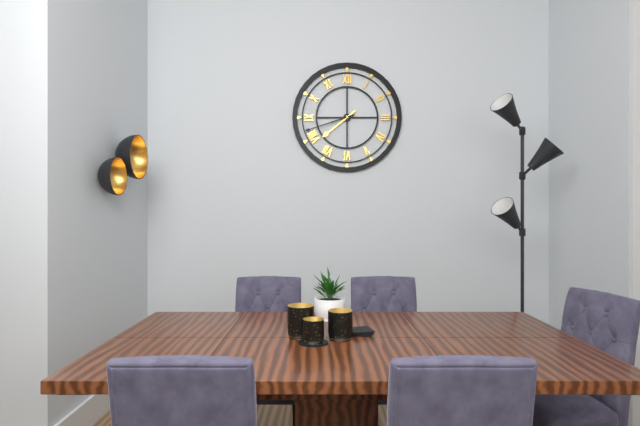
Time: {"hour": 7, "minute": 42}
